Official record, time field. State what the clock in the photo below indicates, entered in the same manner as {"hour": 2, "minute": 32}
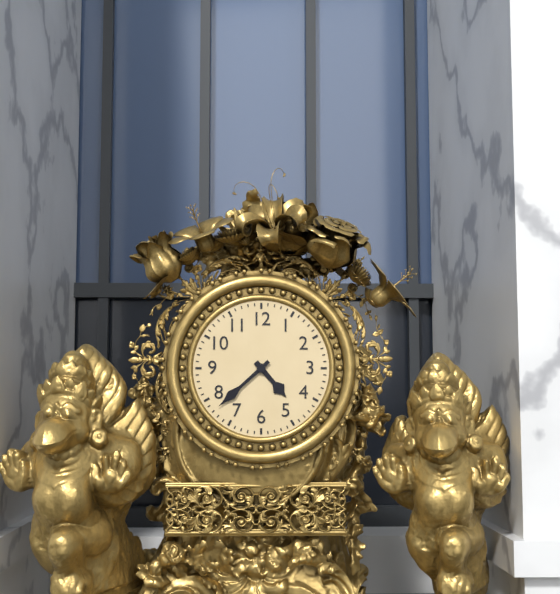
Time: {"hour": 4, "minute": 38}
